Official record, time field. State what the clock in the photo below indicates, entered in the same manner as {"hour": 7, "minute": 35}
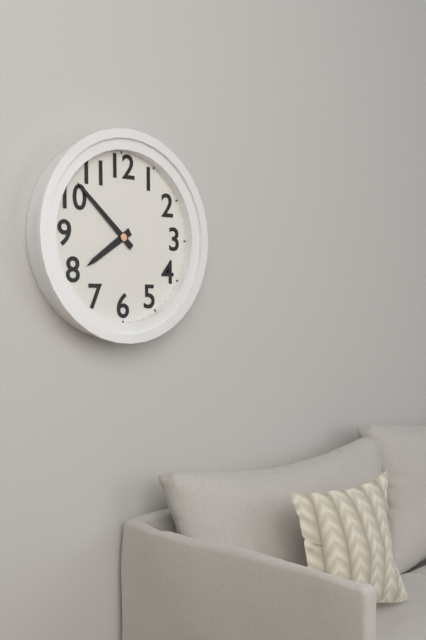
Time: {"hour": 7, "minute": 52}
